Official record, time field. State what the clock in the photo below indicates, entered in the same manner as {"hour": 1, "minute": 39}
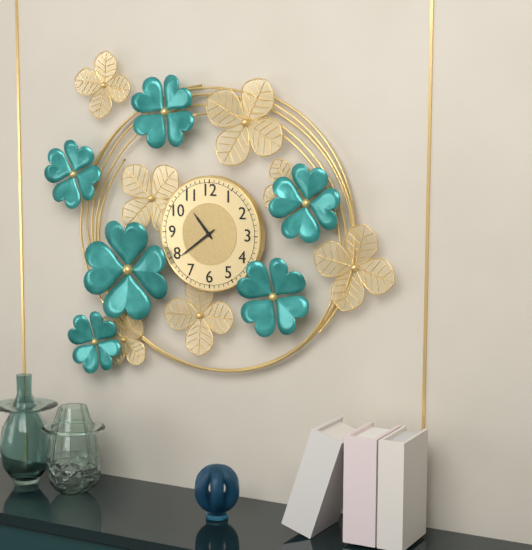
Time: {"hour": 10, "minute": 39}
